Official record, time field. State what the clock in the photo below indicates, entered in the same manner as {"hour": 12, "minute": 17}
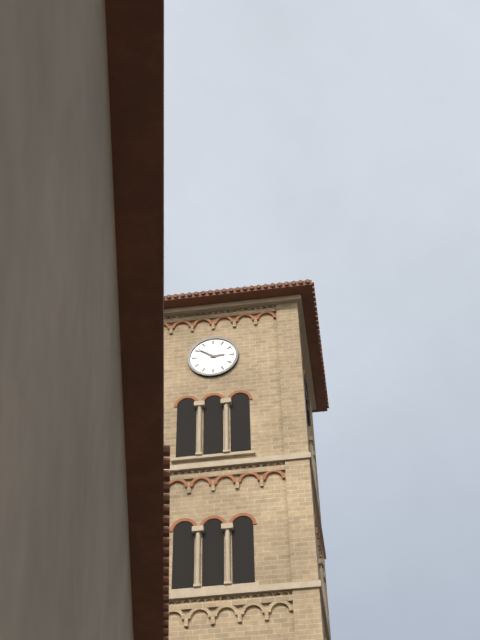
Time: {"hour": 2, "minute": 51}
